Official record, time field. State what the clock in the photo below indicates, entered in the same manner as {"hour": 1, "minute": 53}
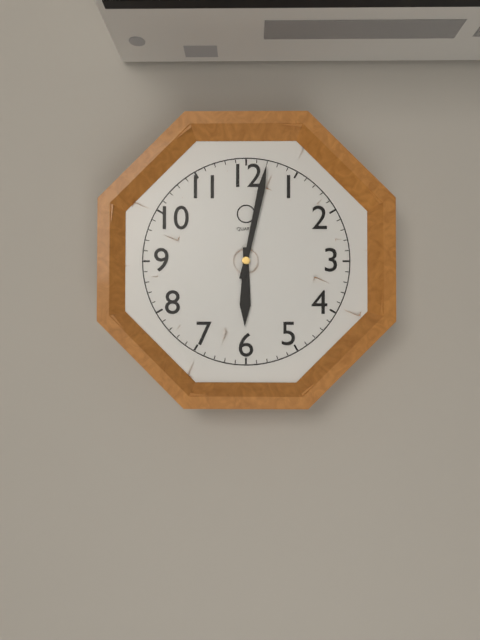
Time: {"hour": 6, "minute": 2}
